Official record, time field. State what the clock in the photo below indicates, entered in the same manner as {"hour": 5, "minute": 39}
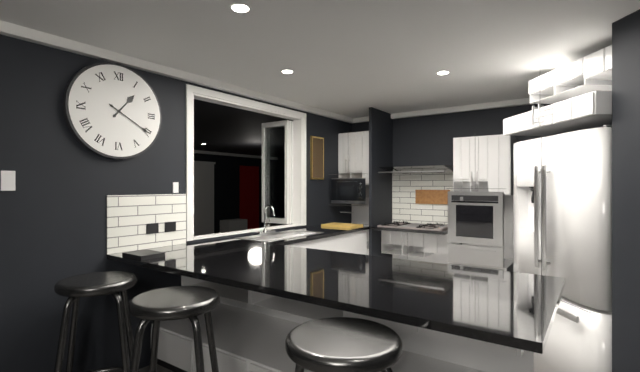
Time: {"hour": 1, "minute": 20}
